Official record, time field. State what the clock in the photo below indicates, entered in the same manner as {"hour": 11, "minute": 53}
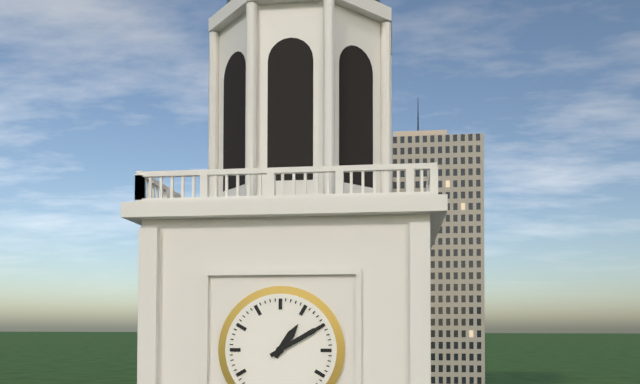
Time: {"hour": 1, "minute": 10}
